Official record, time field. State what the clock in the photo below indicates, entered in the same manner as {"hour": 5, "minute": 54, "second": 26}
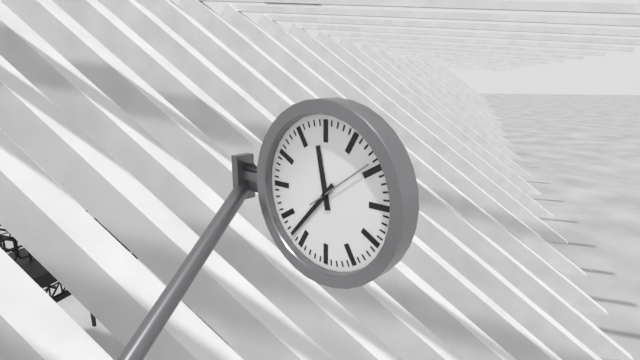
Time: {"hour": 11, "minute": 37, "second": 9}
